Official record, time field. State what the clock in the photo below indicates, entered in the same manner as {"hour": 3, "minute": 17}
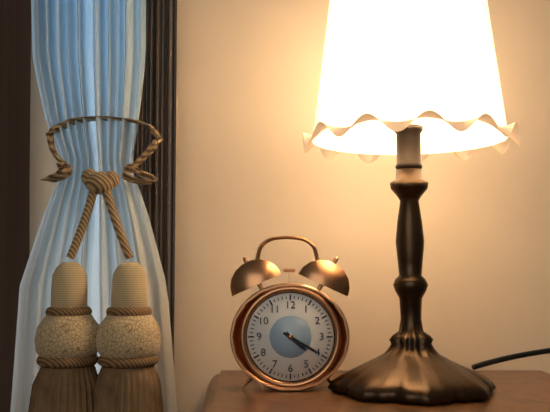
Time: {"hour": 4, "minute": 20}
